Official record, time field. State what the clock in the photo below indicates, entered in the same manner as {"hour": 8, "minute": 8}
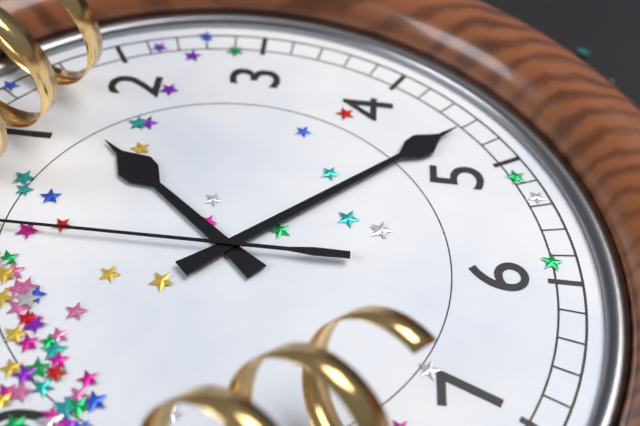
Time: {"hour": 1, "minute": 23}
